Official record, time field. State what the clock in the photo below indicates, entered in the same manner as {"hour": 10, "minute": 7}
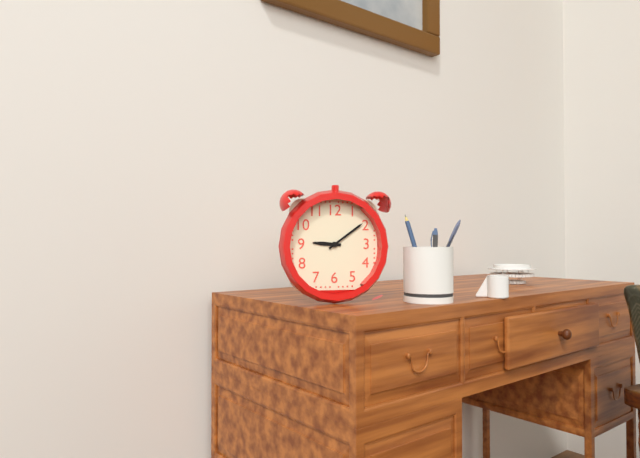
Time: {"hour": 9, "minute": 9}
